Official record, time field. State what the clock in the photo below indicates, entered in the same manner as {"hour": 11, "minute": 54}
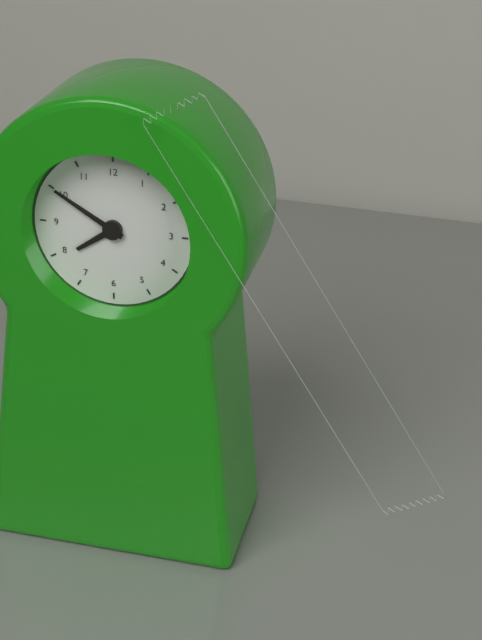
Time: {"hour": 7, "minute": 50}
